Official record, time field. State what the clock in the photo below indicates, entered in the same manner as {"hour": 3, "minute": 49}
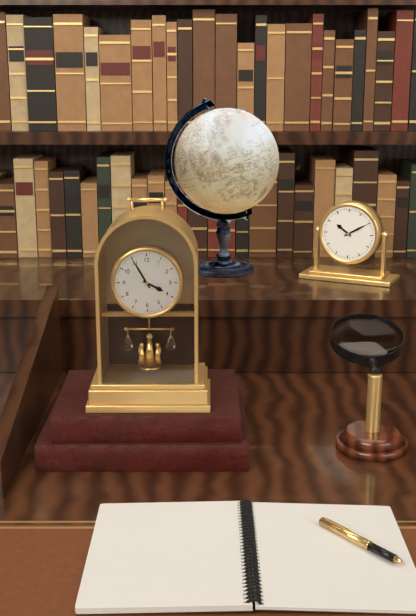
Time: {"hour": 3, "minute": 55}
